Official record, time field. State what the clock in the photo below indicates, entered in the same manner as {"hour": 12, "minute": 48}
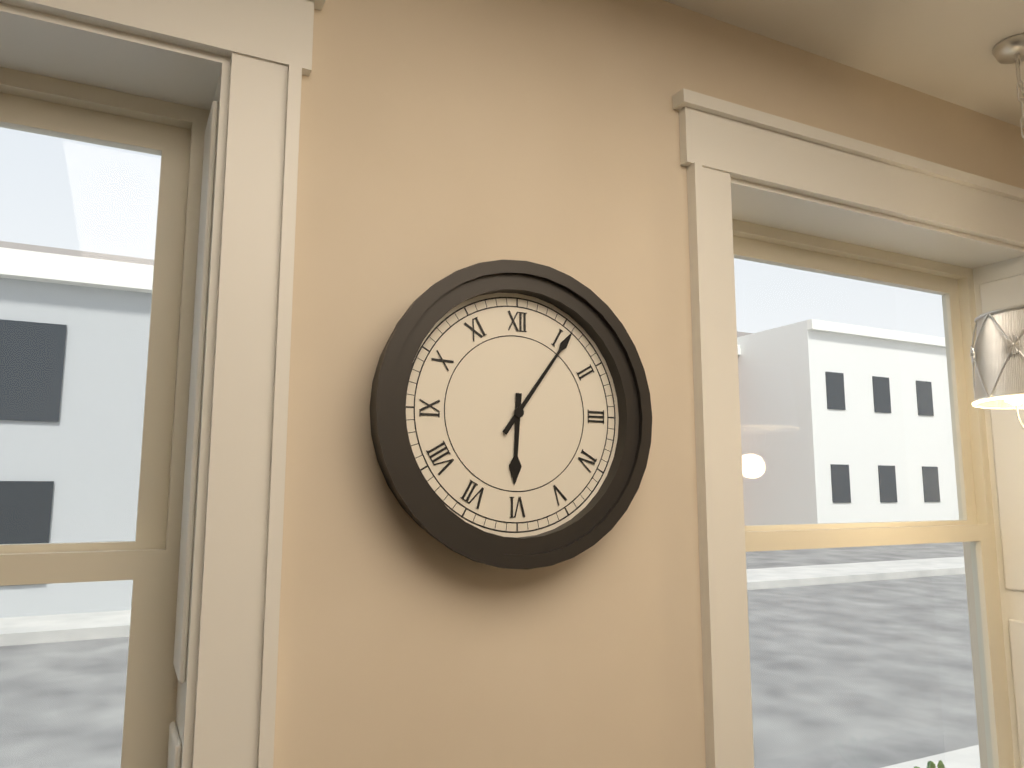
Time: {"hour": 6, "minute": 6}
